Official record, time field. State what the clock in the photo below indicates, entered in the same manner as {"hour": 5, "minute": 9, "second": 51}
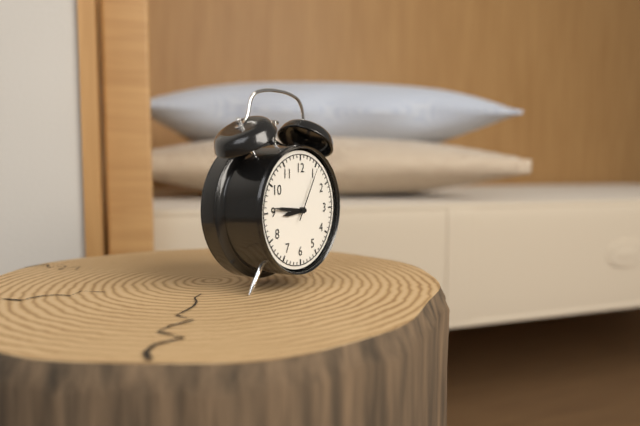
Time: {"hour": 8, "minute": 46, "second": 5}
